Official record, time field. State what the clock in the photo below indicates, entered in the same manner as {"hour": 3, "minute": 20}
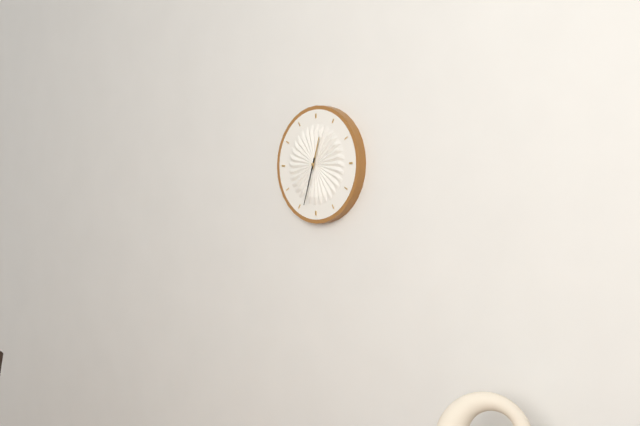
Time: {"hour": 12, "minute": 33}
